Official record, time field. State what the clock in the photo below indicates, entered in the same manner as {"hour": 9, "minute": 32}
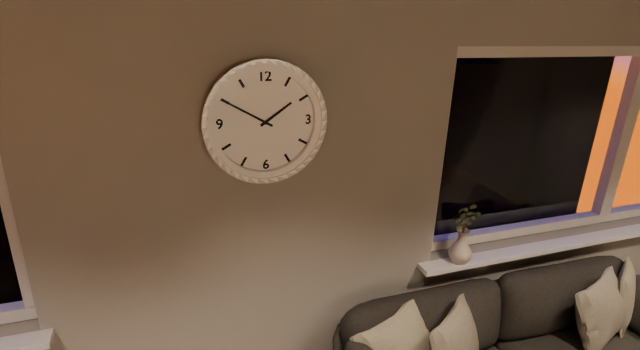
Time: {"hour": 1, "minute": 50}
